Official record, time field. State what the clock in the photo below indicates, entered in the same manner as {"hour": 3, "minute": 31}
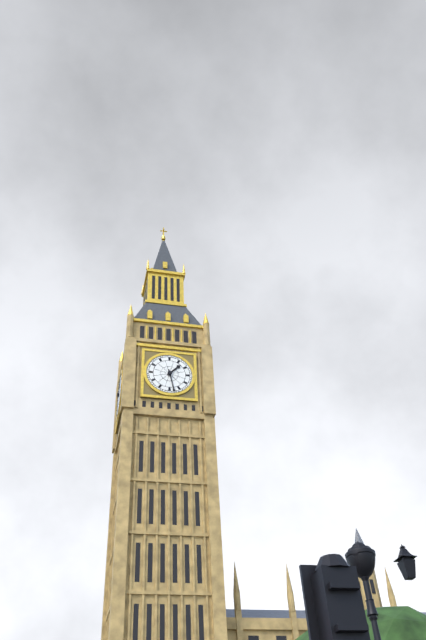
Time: {"hour": 1, "minute": 28}
